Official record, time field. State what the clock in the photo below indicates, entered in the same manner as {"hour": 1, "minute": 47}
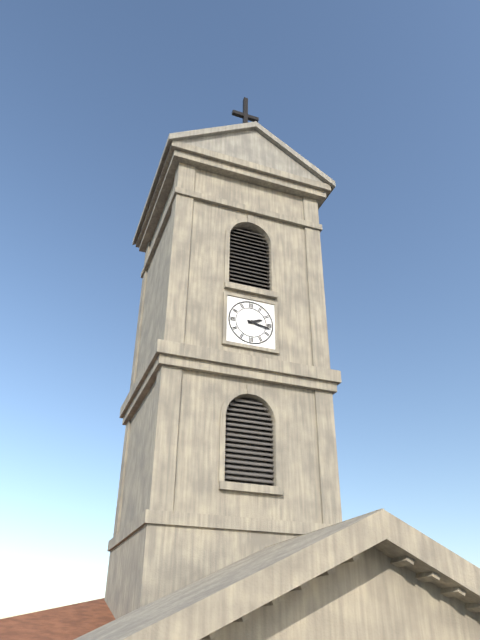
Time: {"hour": 2, "minute": 17}
